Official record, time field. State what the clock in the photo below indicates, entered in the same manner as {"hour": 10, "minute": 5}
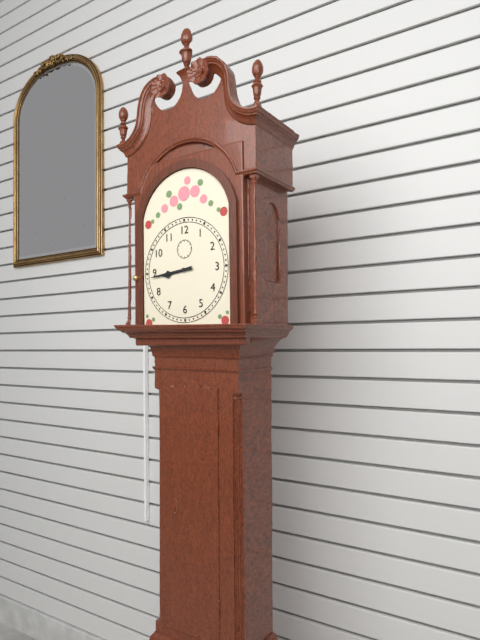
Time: {"hour": 8, "minute": 44}
